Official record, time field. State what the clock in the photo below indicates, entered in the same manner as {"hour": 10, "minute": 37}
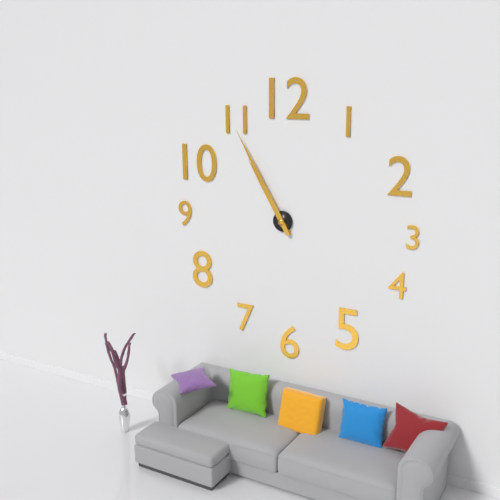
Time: {"hour": 10, "minute": 55}
